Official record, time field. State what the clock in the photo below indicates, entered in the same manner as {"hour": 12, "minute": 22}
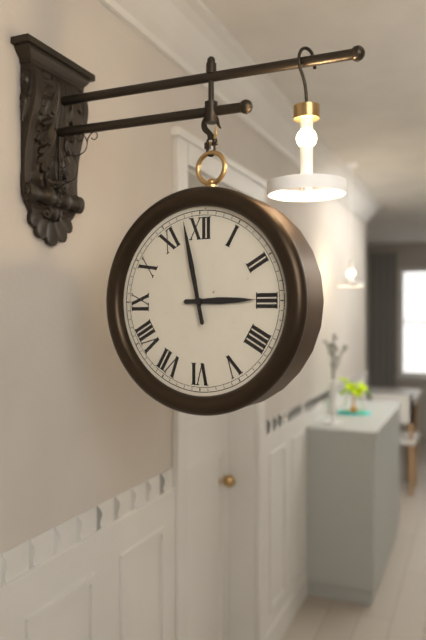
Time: {"hour": 2, "minute": 58}
